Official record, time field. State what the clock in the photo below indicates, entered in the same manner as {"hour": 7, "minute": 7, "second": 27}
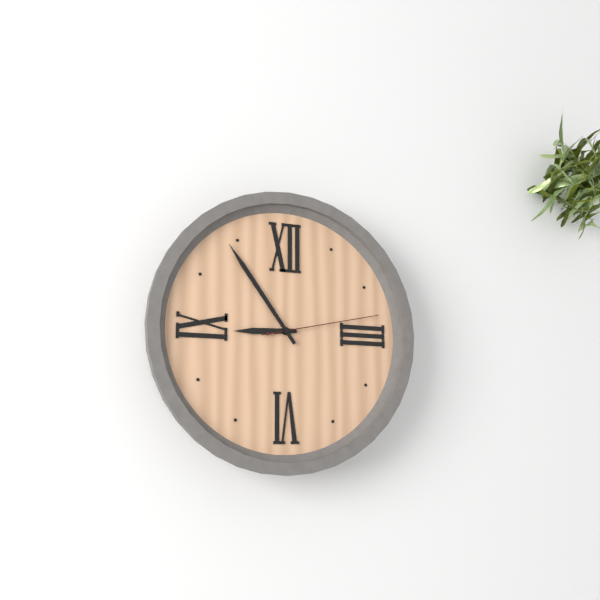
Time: {"hour": 8, "minute": 54, "second": 13}
